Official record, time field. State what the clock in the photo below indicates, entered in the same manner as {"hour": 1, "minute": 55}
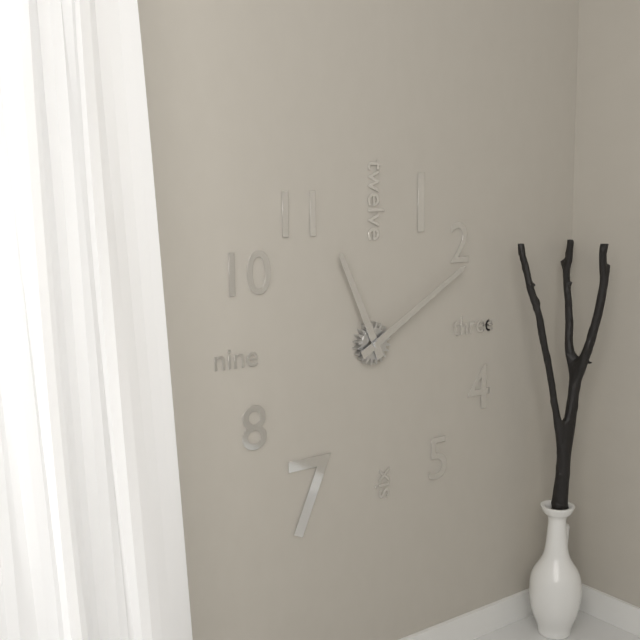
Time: {"hour": 11, "minute": 10}
